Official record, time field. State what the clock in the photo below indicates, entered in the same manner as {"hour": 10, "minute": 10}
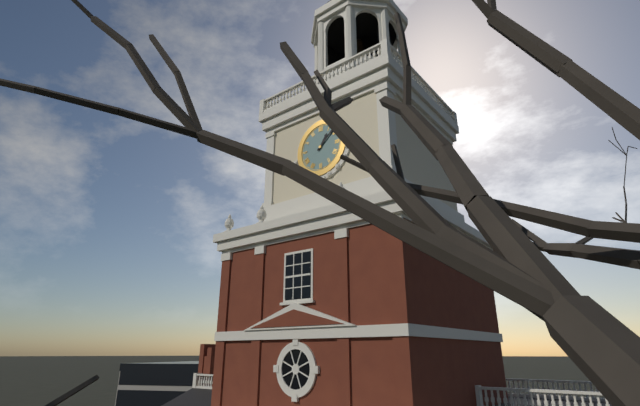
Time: {"hour": 1, "minute": 8}
